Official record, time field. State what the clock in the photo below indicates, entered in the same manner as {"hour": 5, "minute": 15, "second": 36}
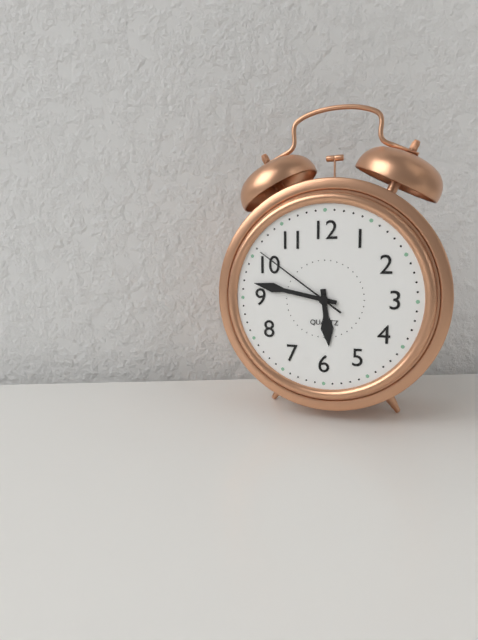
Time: {"hour": 5, "minute": 47, "second": 51}
